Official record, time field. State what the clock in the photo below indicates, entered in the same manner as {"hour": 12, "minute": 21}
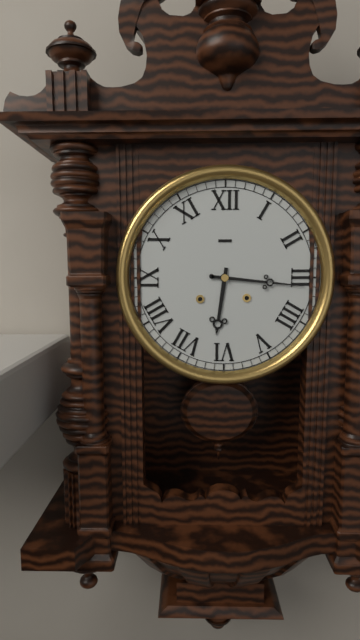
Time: {"hour": 6, "minute": 16}
